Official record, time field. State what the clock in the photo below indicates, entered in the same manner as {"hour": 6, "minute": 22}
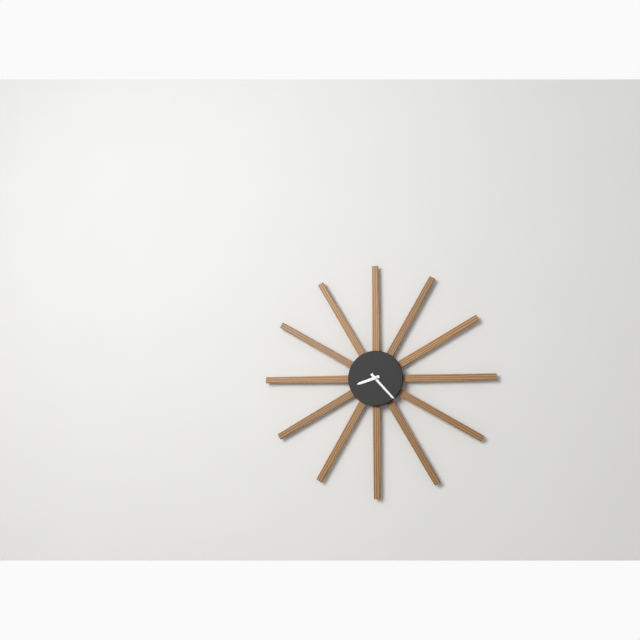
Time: {"hour": 8, "minute": 23}
